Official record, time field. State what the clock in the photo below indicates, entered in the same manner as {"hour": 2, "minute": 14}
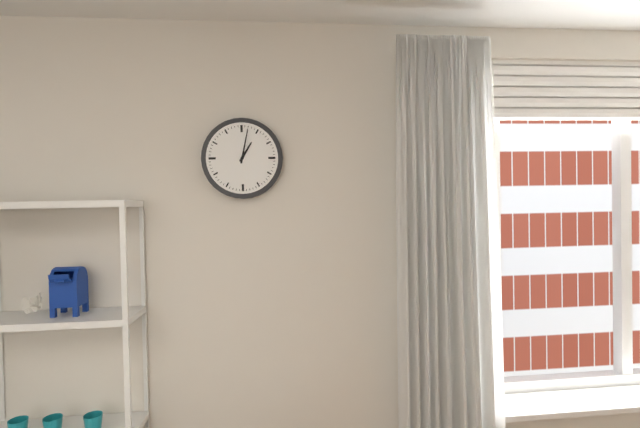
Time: {"hour": 1, "minute": 2}
